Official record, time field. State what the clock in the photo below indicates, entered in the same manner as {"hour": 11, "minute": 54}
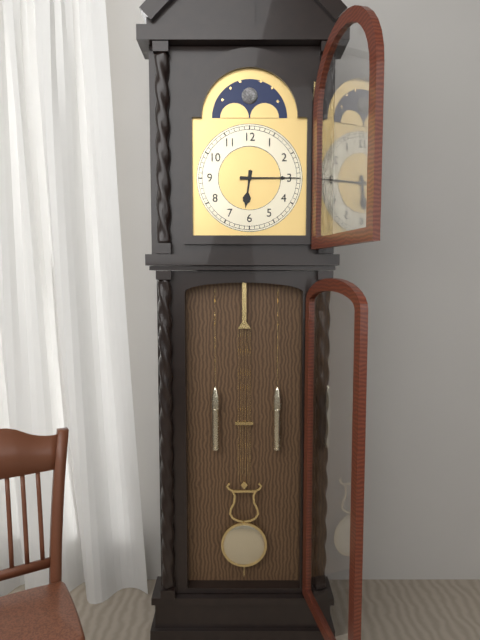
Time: {"hour": 6, "minute": 15}
